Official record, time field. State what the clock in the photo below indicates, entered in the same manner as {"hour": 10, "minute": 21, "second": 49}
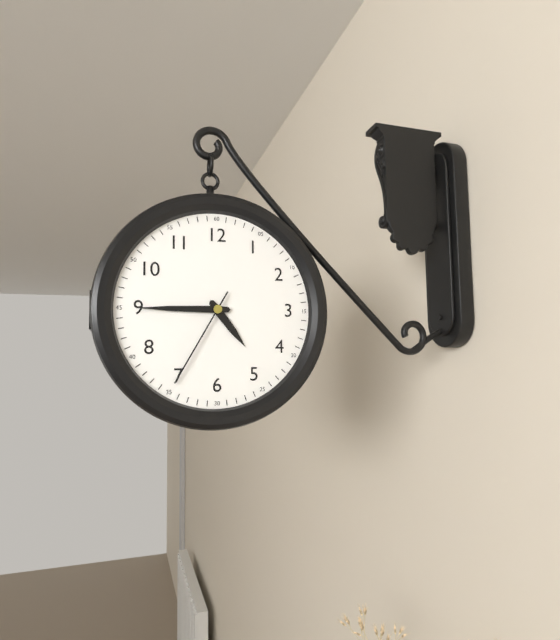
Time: {"hour": 4, "minute": 45, "second": 35}
